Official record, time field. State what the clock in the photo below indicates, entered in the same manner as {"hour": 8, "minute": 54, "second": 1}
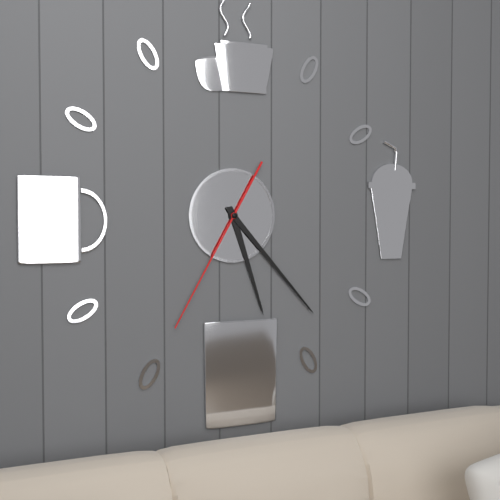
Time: {"hour": 5, "minute": 23, "second": 35}
